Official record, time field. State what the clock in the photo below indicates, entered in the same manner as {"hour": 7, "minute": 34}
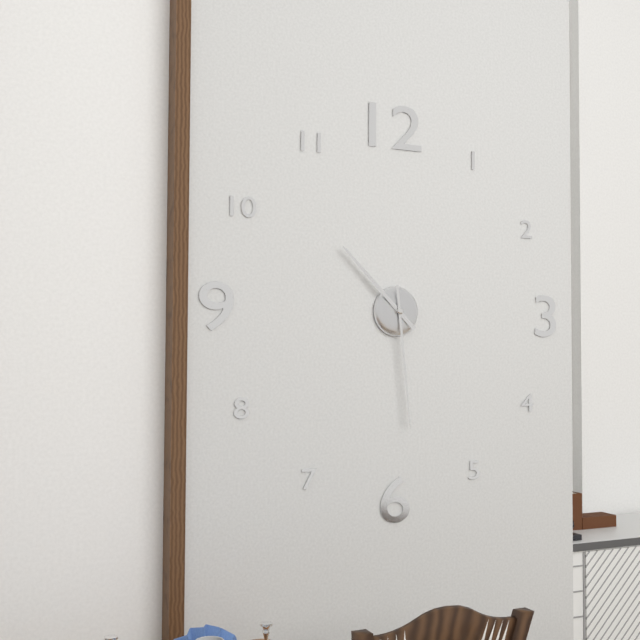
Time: {"hour": 10, "minute": 29}
